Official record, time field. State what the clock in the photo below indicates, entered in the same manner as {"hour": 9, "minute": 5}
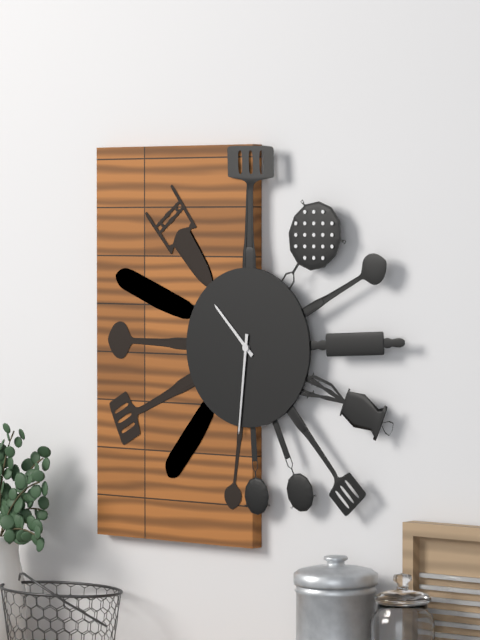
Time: {"hour": 10, "minute": 31}
